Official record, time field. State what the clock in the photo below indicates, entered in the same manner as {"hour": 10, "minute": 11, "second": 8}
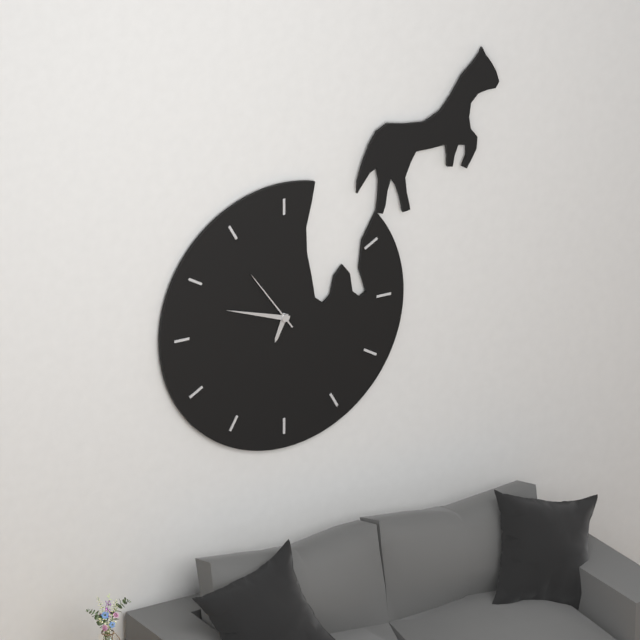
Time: {"hour": 6, "minute": 48, "second": 54}
